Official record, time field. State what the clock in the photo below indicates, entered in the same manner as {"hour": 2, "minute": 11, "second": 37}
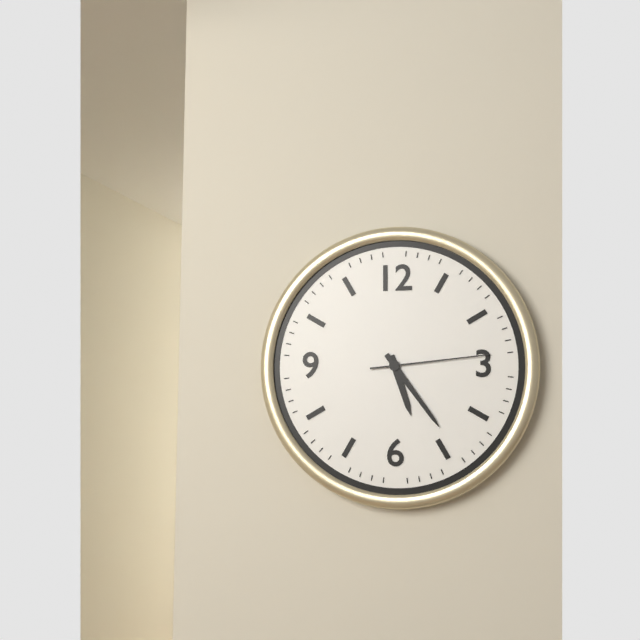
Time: {"hour": 5, "minute": 24, "second": 14}
